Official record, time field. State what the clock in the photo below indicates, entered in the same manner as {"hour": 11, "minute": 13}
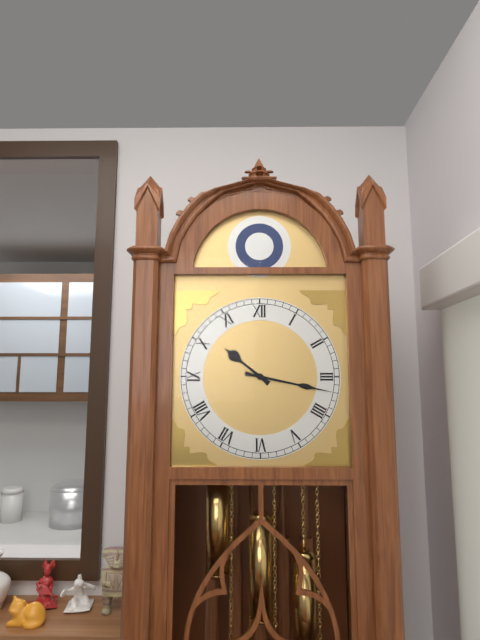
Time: {"hour": 10, "minute": 17}
